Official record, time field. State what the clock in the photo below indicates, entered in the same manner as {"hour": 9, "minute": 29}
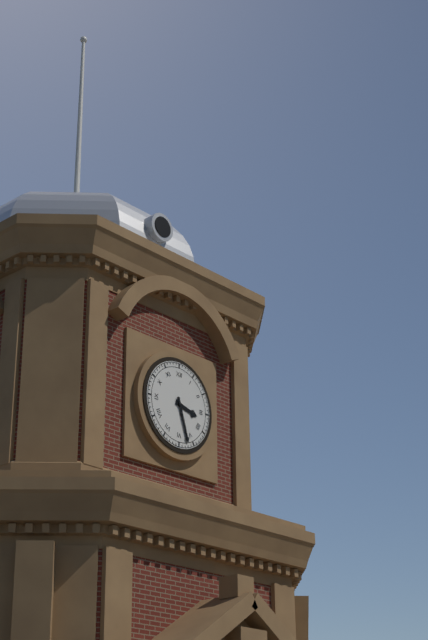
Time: {"hour": 3, "minute": 27}
